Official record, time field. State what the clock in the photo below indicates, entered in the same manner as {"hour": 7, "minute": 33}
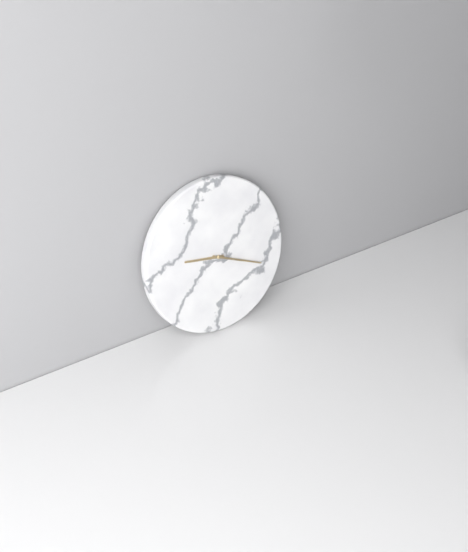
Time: {"hour": 9, "minute": 19}
